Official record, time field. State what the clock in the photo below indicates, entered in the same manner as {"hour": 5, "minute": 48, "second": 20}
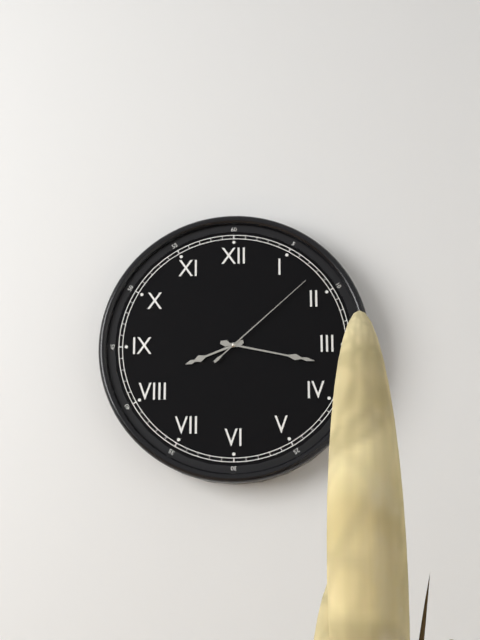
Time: {"hour": 8, "minute": 17, "second": 8}
